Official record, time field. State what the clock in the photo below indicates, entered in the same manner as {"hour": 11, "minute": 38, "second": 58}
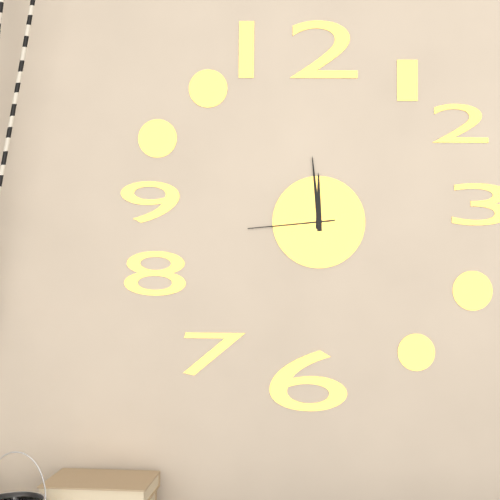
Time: {"hour": 11, "minute": 59, "second": 44}
